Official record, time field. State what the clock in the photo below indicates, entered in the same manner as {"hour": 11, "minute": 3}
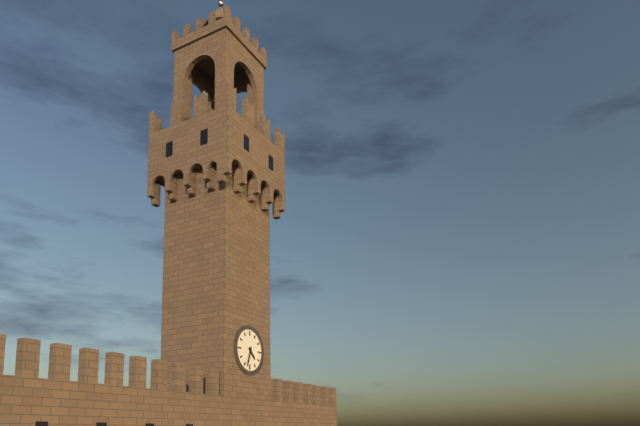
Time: {"hour": 4, "minute": 33}
